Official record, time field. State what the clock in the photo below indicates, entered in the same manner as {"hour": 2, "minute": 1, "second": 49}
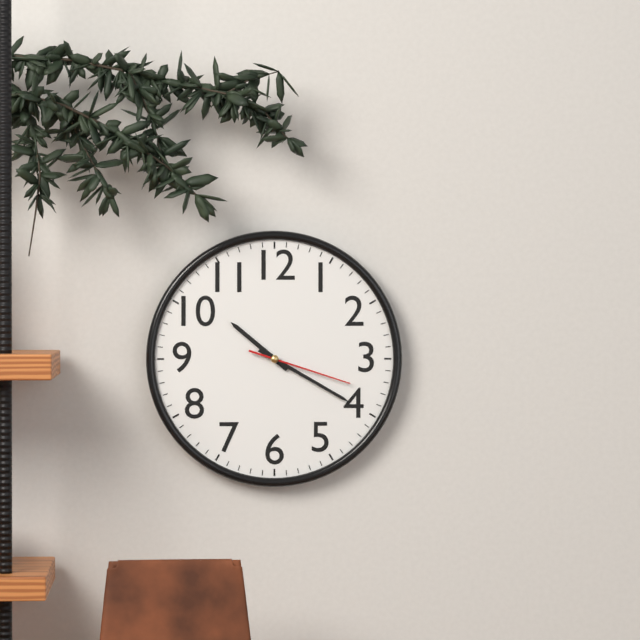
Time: {"hour": 10, "minute": 20, "second": 18}
